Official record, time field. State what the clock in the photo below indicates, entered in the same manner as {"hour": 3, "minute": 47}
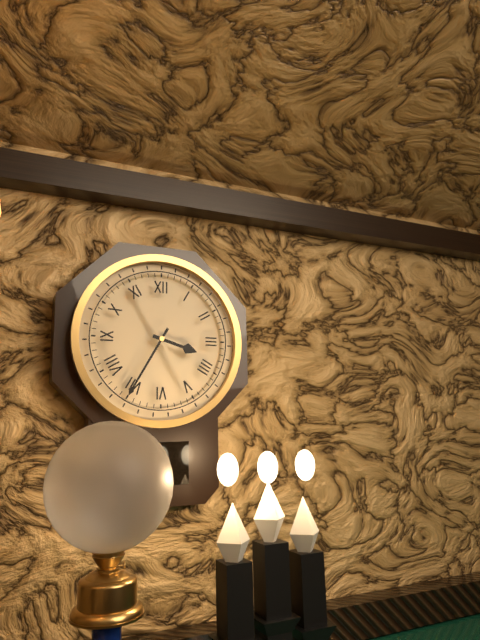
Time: {"hour": 3, "minute": 35}
